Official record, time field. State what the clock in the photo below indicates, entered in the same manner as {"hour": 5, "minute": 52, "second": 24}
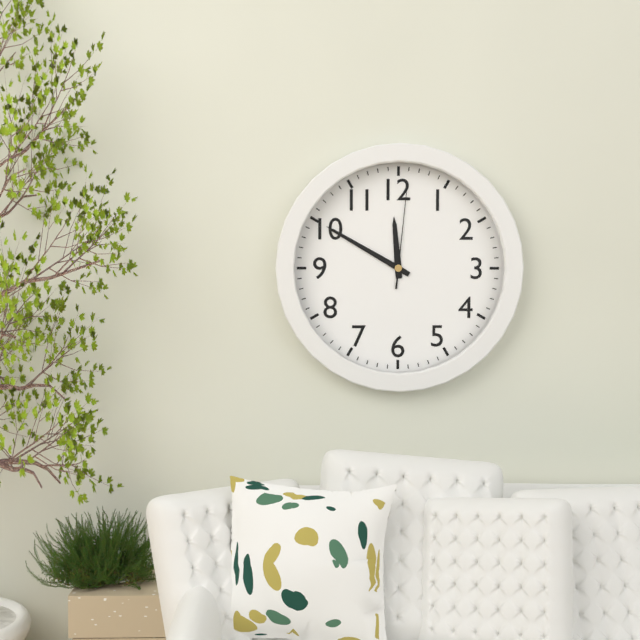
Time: {"hour": 11, "minute": 50, "second": 1}
